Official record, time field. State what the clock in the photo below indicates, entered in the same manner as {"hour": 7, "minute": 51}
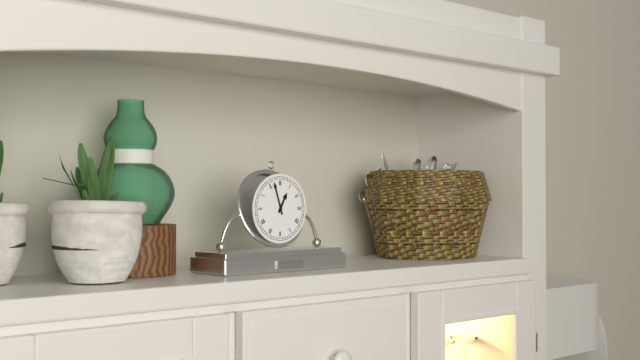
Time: {"hour": 12, "minute": 57}
